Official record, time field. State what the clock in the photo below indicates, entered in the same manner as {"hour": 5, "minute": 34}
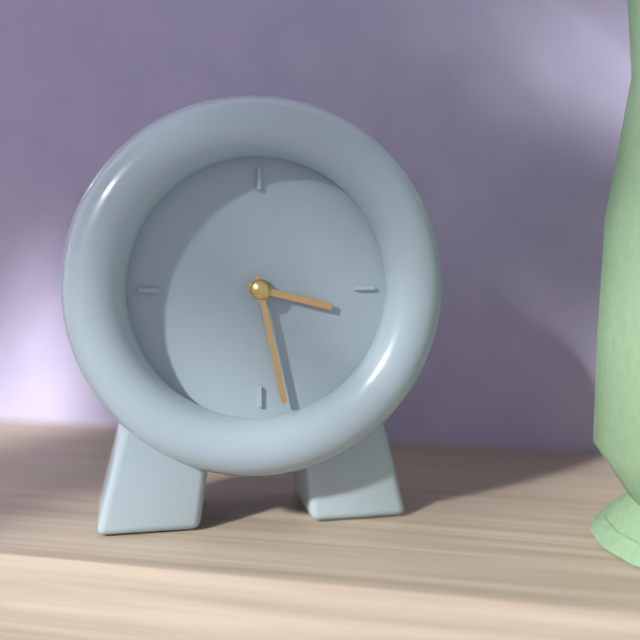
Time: {"hour": 3, "minute": 28}
